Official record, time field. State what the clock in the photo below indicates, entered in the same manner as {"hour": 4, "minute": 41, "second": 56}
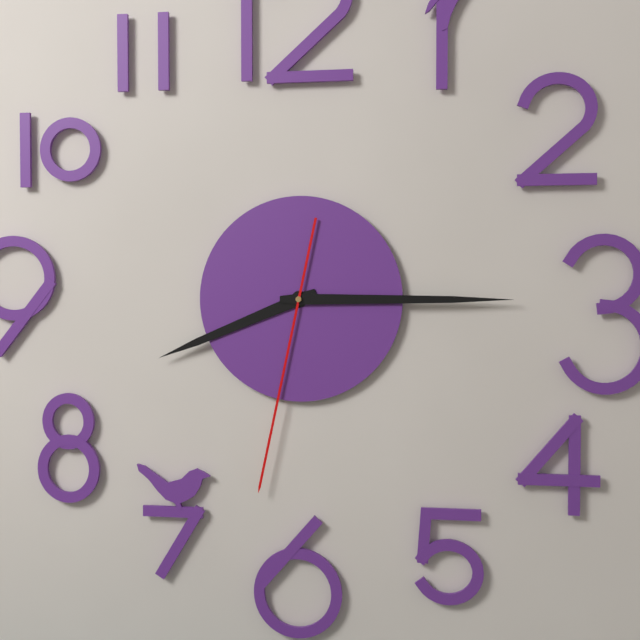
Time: {"hour": 8, "minute": 15, "second": 32}
